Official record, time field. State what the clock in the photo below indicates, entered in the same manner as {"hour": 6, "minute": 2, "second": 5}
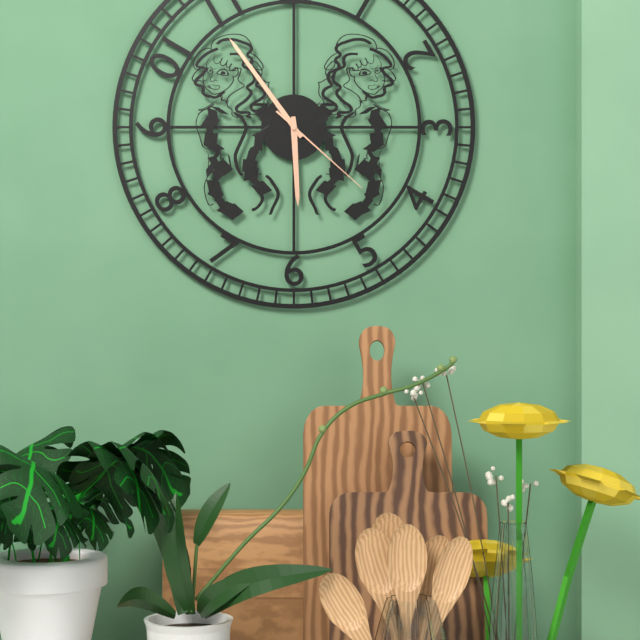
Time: {"hour": 5, "minute": 54, "second": 22}
